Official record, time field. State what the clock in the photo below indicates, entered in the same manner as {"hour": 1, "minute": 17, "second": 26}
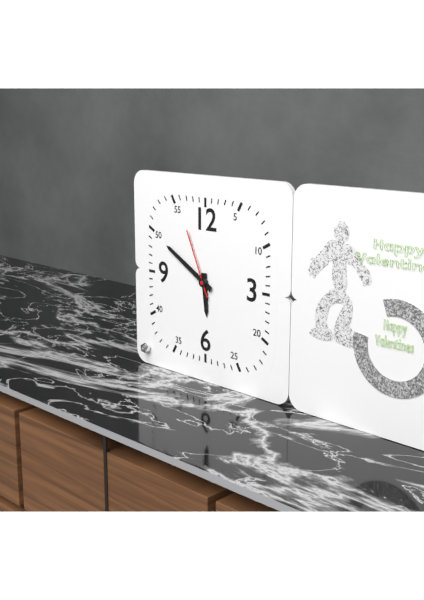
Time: {"hour": 5, "minute": 50, "second": 56}
